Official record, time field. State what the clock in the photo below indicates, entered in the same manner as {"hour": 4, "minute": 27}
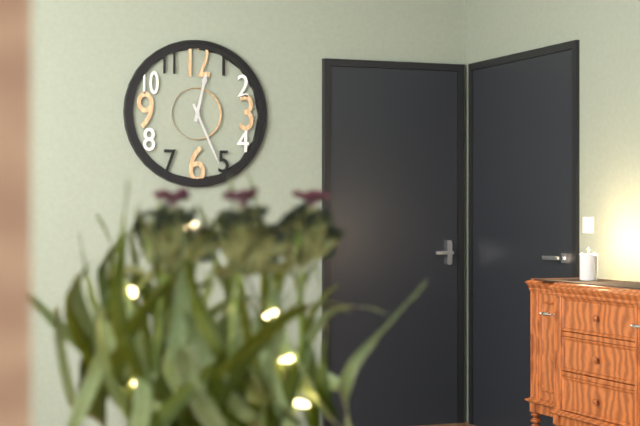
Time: {"hour": 12, "minute": 26}
